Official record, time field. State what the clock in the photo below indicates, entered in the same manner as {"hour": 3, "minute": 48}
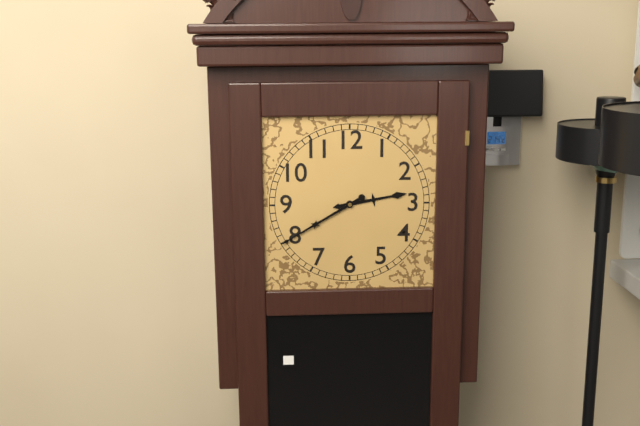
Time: {"hour": 2, "minute": 40}
